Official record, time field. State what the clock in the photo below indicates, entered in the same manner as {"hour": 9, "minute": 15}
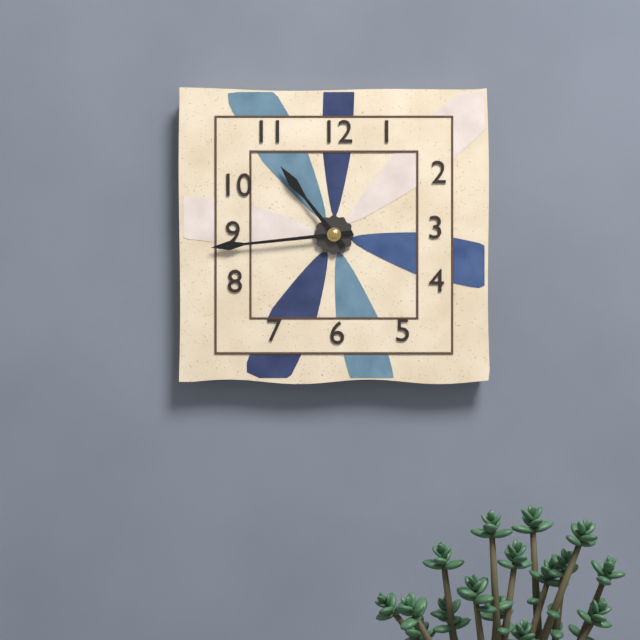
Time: {"hour": 10, "minute": 44}
